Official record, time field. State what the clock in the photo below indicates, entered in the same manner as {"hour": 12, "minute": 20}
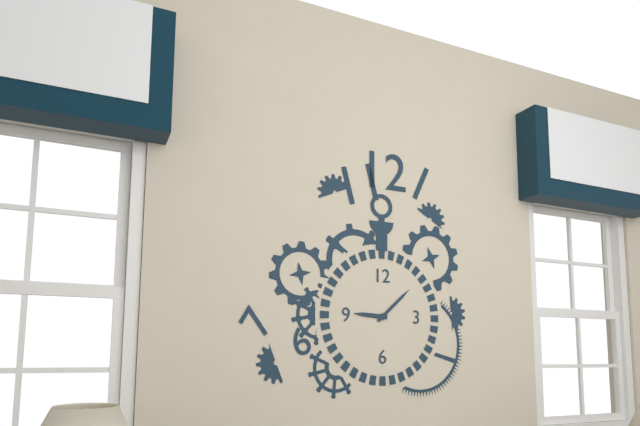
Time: {"hour": 9, "minute": 8}
